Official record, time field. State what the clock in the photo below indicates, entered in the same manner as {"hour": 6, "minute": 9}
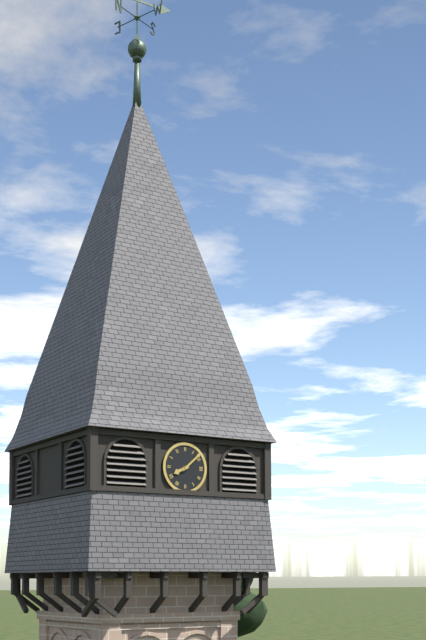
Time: {"hour": 8, "minute": 8}
